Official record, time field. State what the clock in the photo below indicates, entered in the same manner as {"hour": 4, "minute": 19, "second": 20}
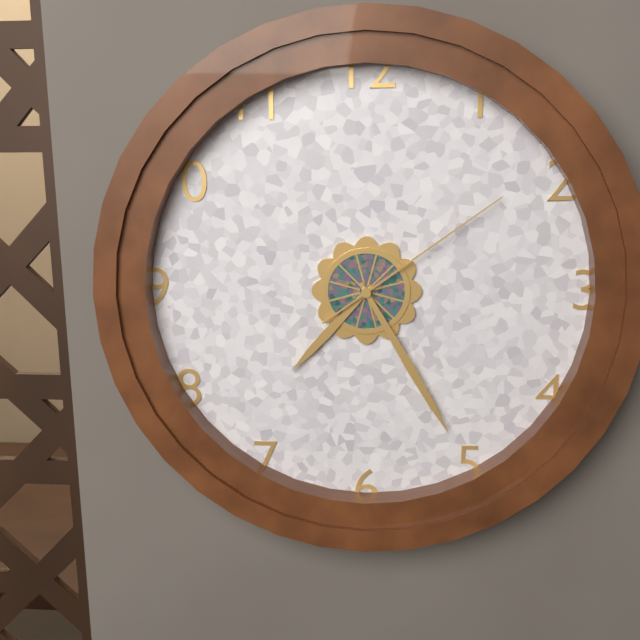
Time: {"hour": 7, "minute": 25, "second": 9}
